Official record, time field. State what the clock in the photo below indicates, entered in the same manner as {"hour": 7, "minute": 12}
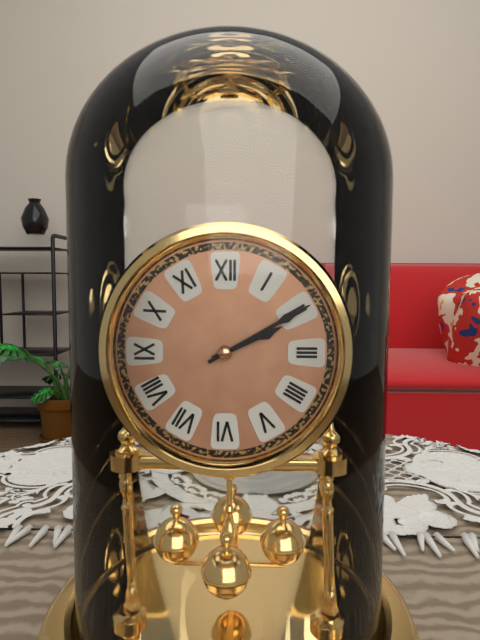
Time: {"hour": 2, "minute": 10}
